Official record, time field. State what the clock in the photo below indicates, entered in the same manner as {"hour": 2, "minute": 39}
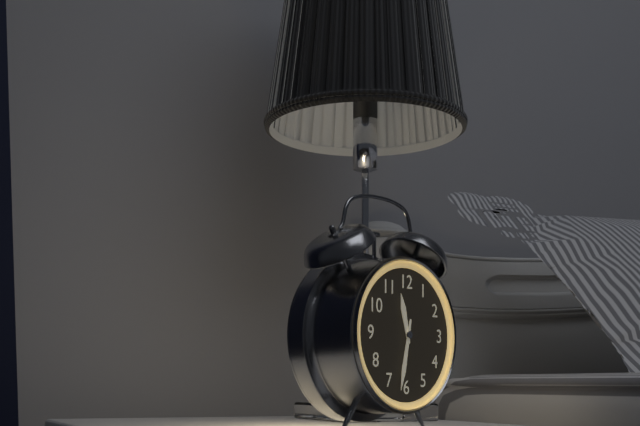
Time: {"hour": 11, "minute": 32}
